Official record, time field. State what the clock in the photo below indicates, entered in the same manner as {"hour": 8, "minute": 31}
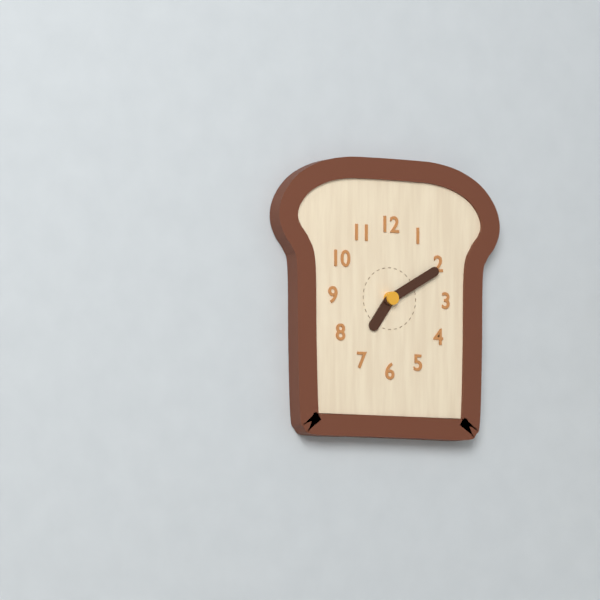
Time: {"hour": 7, "minute": 10}
